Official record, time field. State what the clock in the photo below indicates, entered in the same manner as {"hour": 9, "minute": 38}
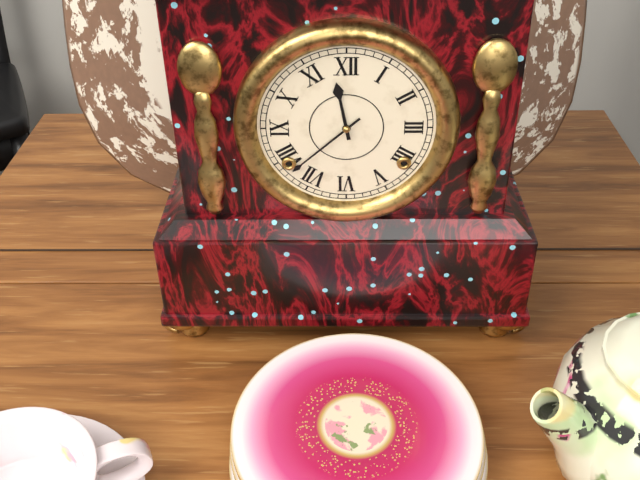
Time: {"hour": 11, "minute": 38}
